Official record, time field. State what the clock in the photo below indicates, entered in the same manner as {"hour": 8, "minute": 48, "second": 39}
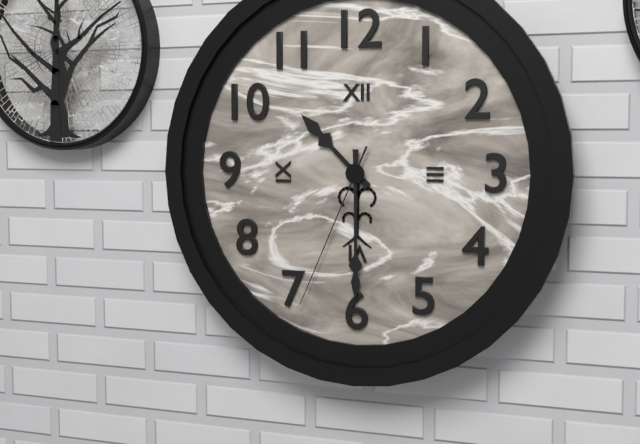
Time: {"hour": 10, "minute": 30, "second": 34}
